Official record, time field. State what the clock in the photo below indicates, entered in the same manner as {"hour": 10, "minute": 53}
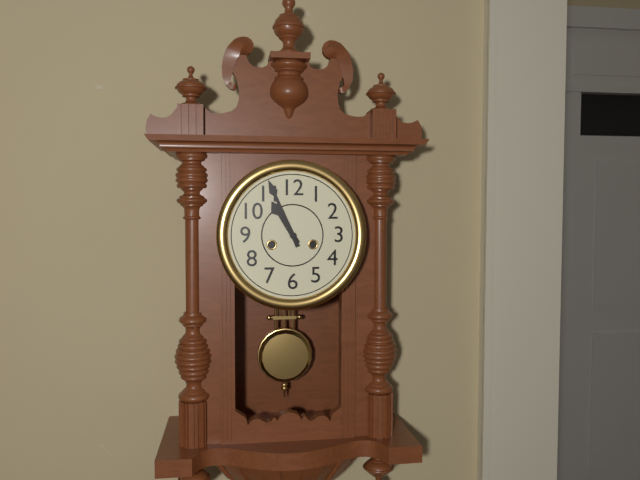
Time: {"hour": 10, "minute": 56}
